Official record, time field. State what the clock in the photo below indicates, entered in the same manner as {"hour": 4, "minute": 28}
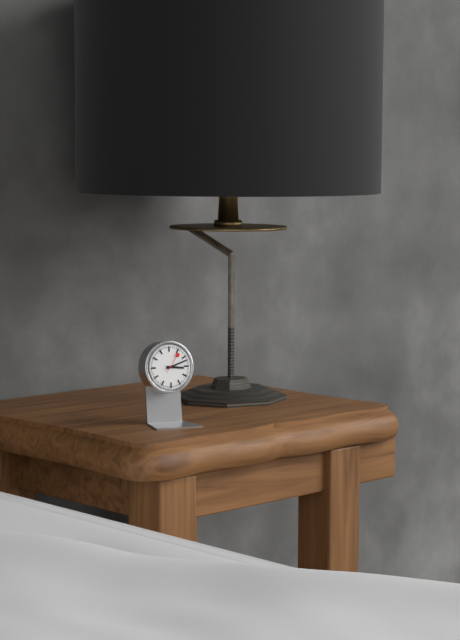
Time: {"hour": 3, "minute": 12}
